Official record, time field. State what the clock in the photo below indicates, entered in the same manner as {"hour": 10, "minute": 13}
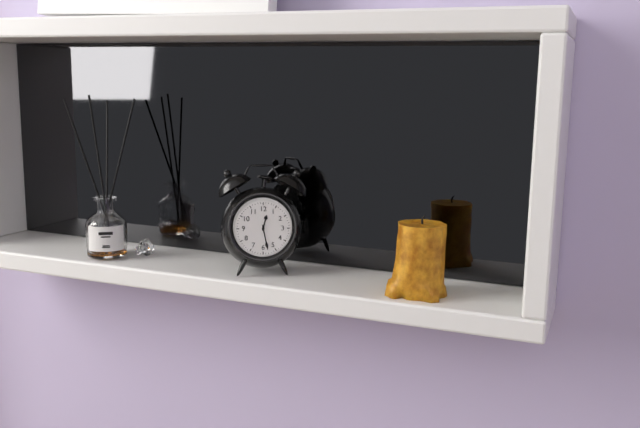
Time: {"hour": 12, "minute": 28}
